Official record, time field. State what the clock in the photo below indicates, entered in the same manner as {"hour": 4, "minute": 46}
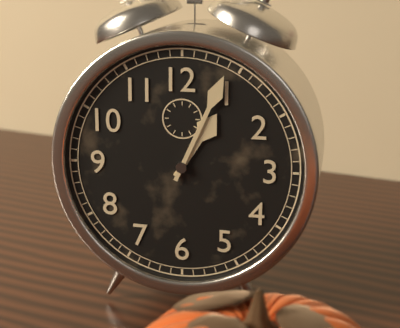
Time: {"hour": 1, "minute": 4}
